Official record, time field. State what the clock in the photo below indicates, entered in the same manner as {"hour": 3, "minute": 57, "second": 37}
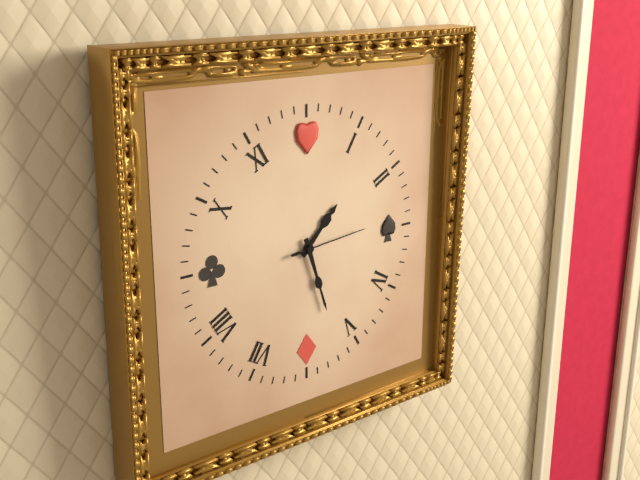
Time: {"hour": 1, "minute": 27, "second": 14}
